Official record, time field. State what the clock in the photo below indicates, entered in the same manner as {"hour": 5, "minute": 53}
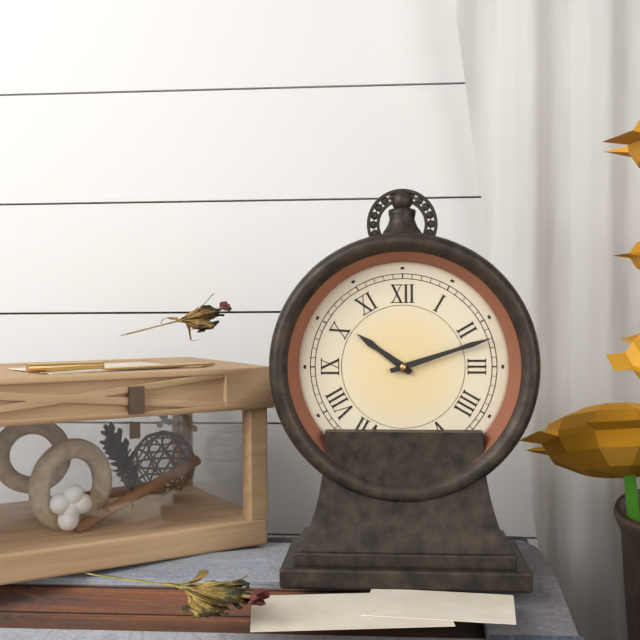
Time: {"hour": 10, "minute": 12}
